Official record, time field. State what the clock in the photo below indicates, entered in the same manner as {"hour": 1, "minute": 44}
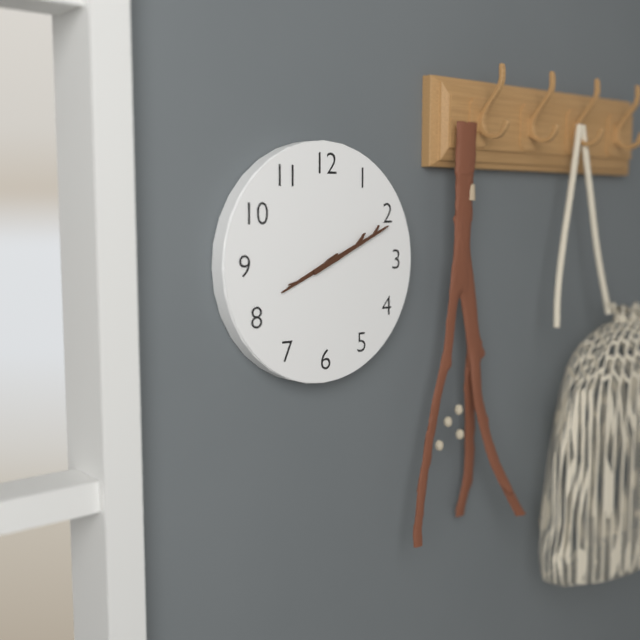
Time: {"hour": 8, "minute": 11}
